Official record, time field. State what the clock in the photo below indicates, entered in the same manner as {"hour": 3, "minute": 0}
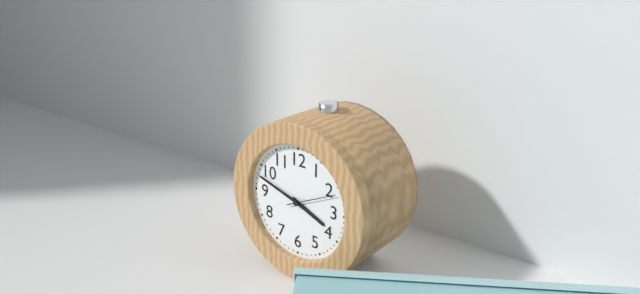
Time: {"hour": 3, "minute": 48}
